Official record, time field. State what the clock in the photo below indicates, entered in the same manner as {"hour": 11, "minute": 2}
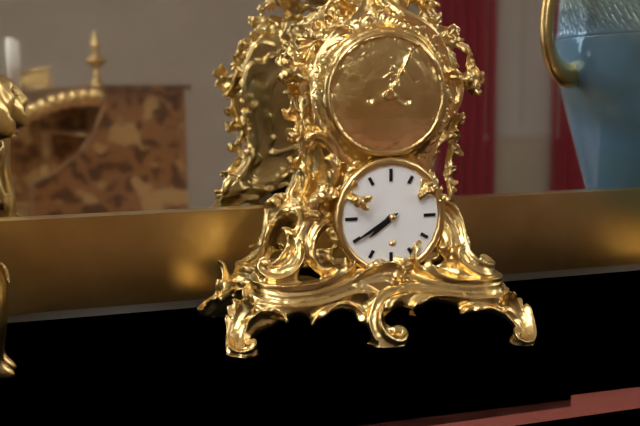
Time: {"hour": 7, "minute": 40}
